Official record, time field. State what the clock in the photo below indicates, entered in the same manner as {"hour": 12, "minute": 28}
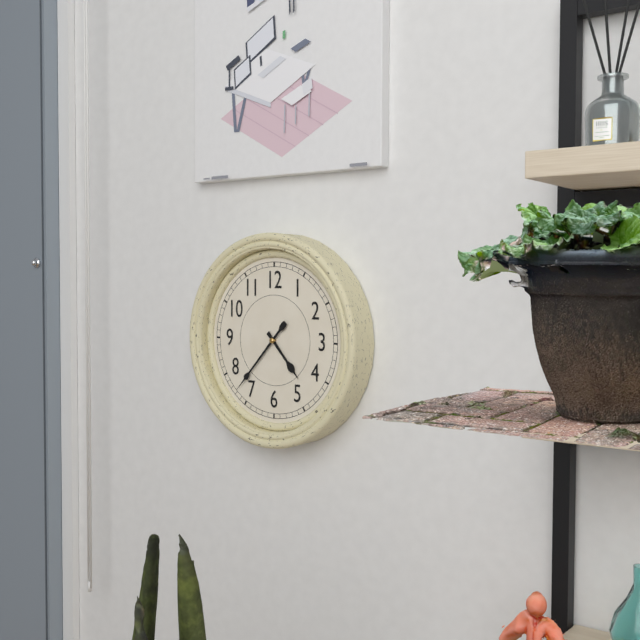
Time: {"hour": 4, "minute": 37}
